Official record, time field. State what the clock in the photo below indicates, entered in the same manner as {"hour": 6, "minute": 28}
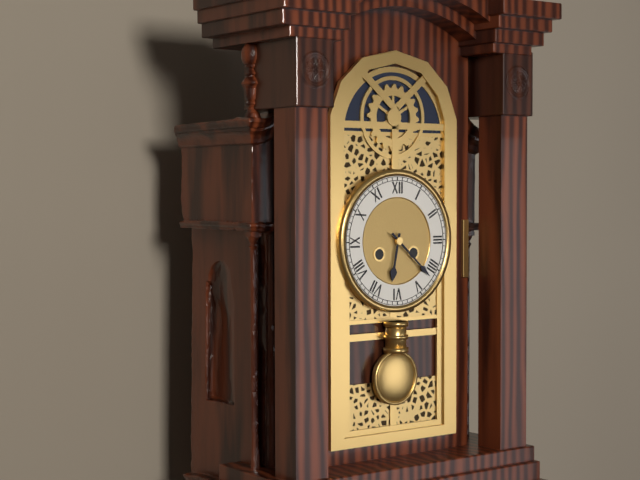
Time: {"hour": 6, "minute": 22}
